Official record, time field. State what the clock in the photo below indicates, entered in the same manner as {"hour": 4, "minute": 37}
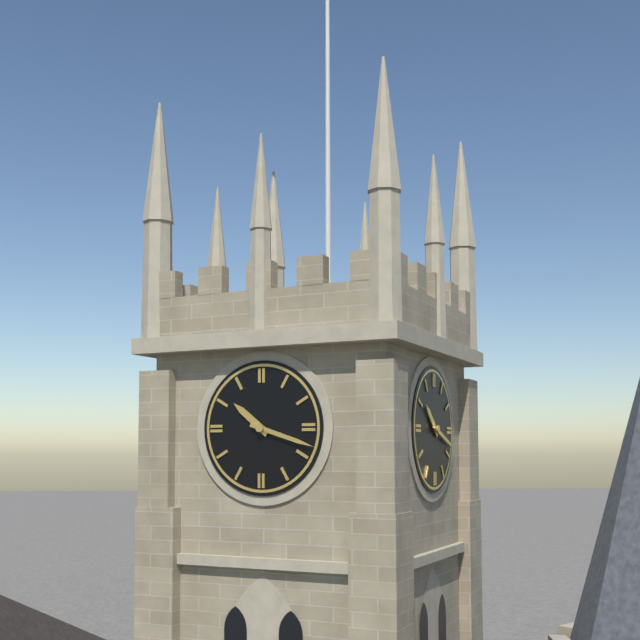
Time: {"hour": 10, "minute": 18}
